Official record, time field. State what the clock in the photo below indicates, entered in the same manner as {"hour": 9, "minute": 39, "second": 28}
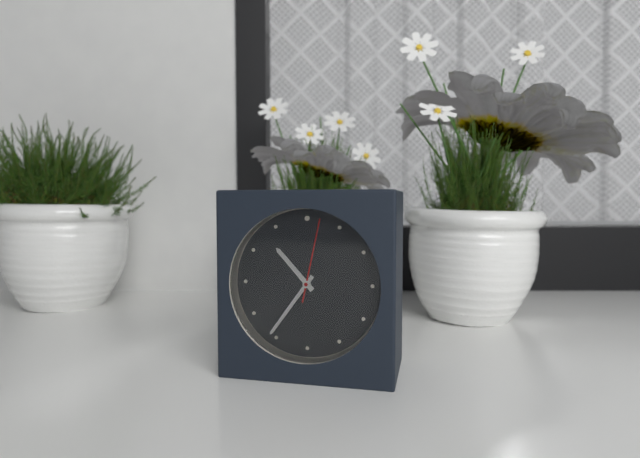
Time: {"hour": 10, "minute": 36, "second": 2}
